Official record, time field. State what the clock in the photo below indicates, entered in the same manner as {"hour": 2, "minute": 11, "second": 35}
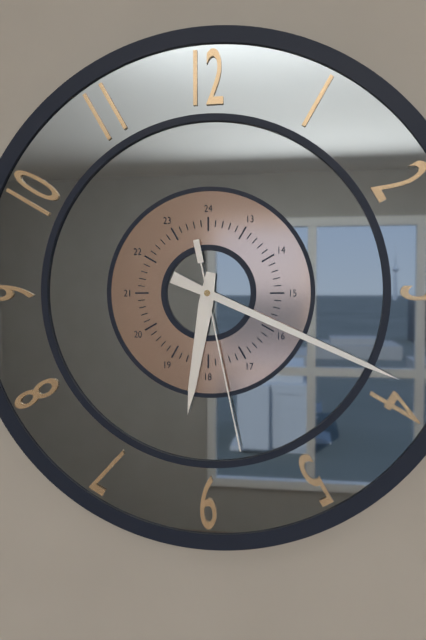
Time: {"hour": 6, "minute": 19, "second": 28}
